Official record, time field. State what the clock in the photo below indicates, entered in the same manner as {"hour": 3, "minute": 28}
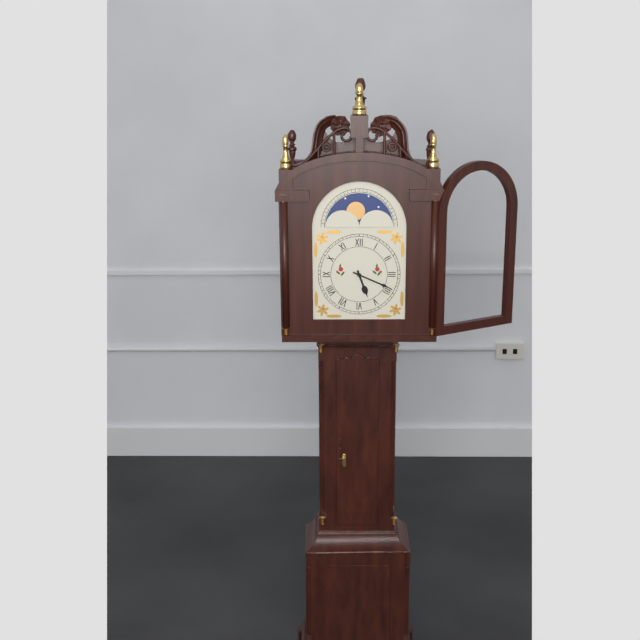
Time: {"hour": 5, "minute": 19}
